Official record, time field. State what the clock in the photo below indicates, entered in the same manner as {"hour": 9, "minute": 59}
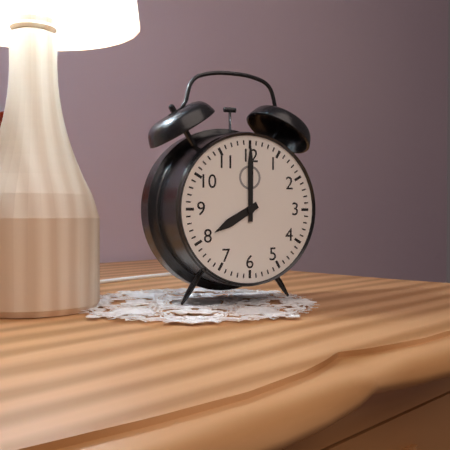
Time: {"hour": 8, "minute": 0}
